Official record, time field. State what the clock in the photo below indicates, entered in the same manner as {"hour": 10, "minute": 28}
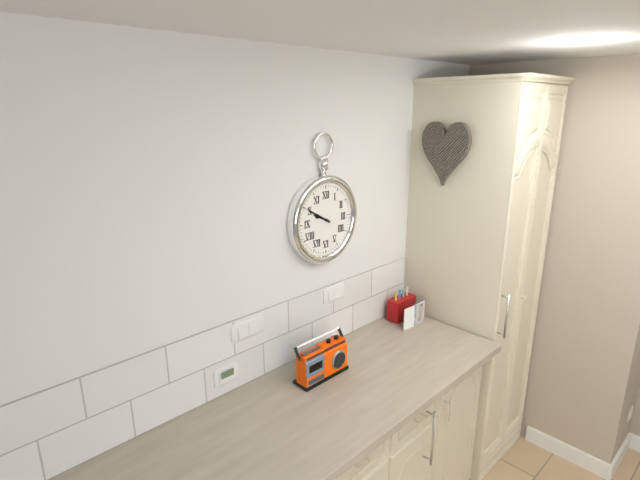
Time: {"hour": 9, "minute": 50}
